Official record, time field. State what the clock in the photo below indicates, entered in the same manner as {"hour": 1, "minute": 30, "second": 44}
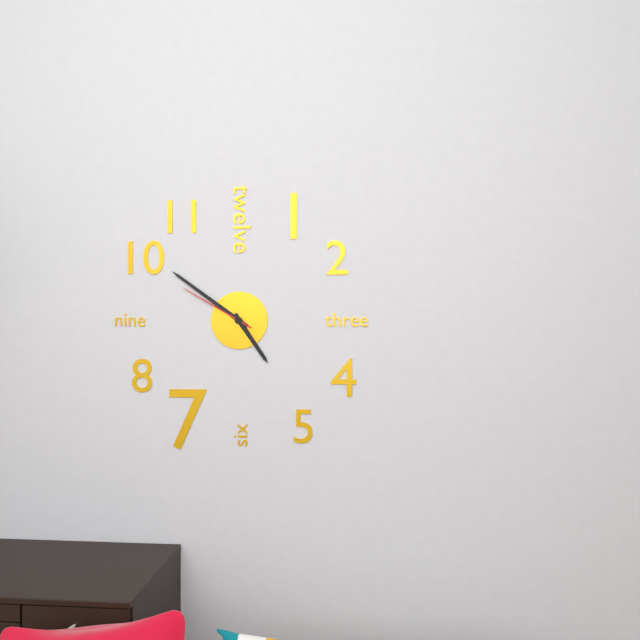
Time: {"hour": 4, "minute": 51, "second": 50}
